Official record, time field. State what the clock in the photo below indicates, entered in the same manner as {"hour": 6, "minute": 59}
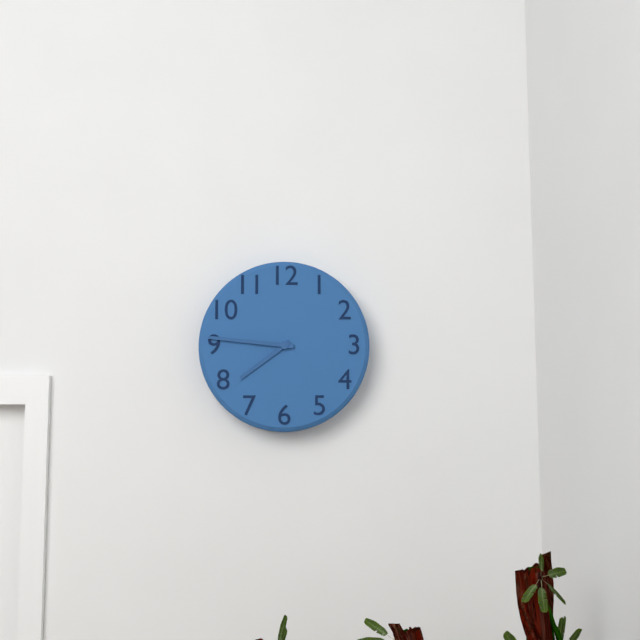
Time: {"hour": 7, "minute": 46}
